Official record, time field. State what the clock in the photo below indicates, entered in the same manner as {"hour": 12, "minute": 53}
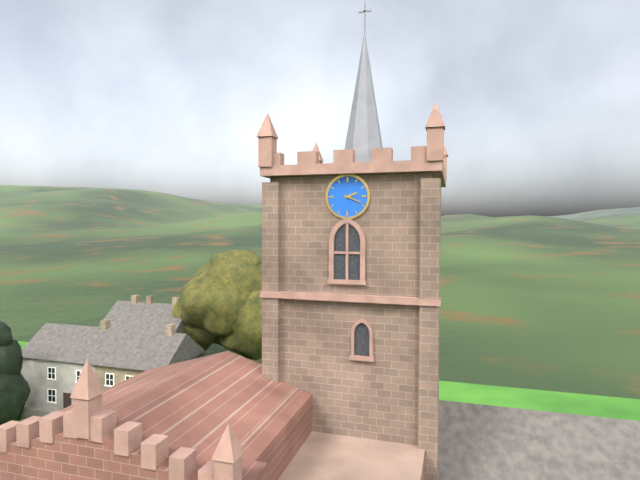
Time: {"hour": 2, "minute": 19}
